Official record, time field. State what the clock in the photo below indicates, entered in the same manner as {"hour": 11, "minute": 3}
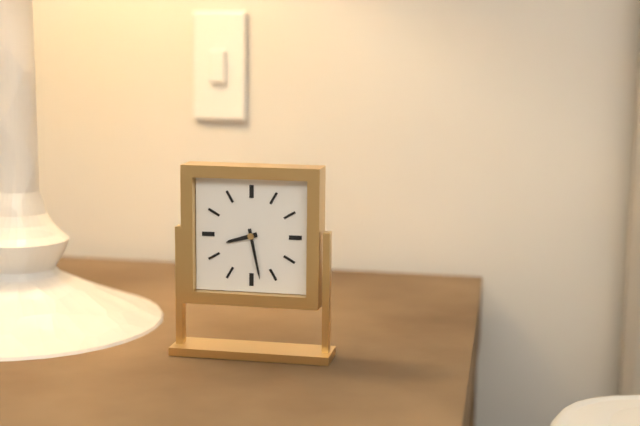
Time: {"hour": 8, "minute": 28}
